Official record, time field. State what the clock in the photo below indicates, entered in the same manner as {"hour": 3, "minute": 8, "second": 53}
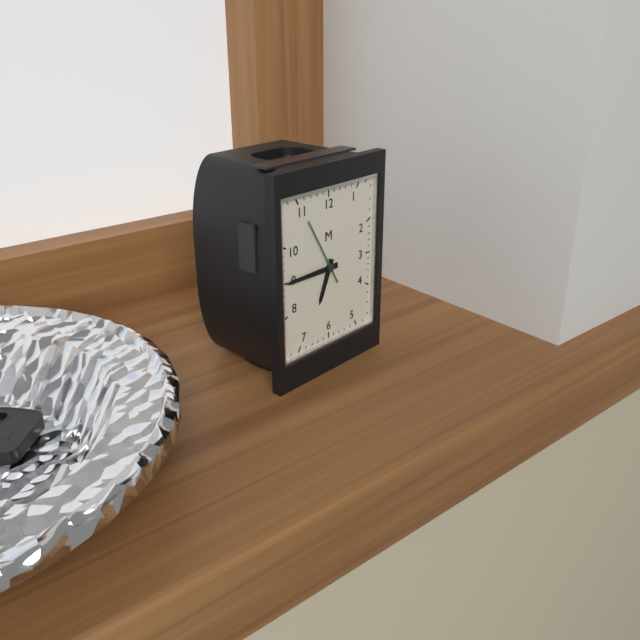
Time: {"hour": 6, "minute": 45, "second": 55}
